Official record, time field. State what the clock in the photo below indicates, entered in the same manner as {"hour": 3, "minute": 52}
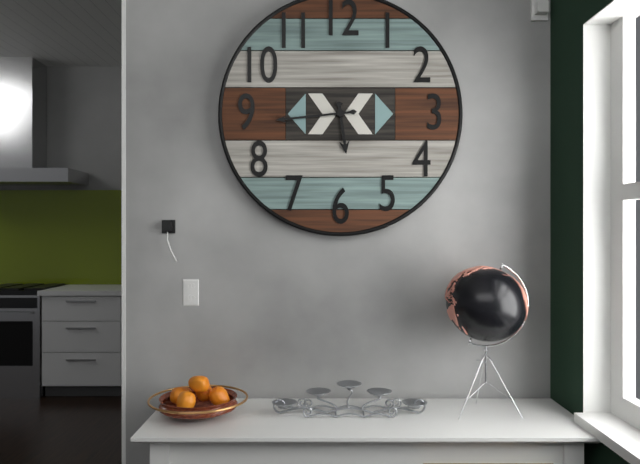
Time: {"hour": 5, "minute": 44}
